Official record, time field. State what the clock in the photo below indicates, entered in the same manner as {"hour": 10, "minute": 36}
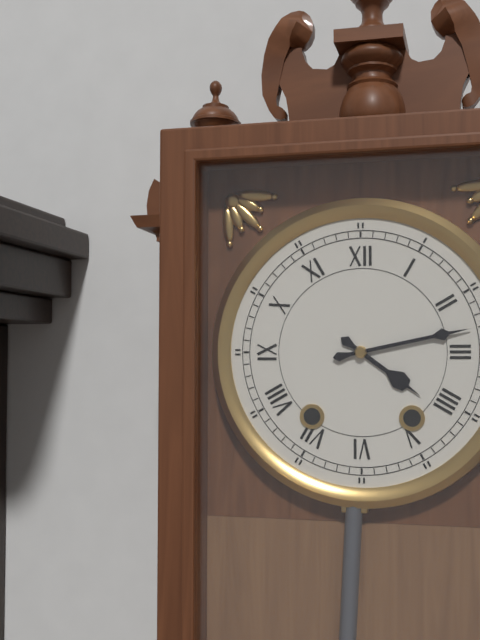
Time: {"hour": 4, "minute": 13}
